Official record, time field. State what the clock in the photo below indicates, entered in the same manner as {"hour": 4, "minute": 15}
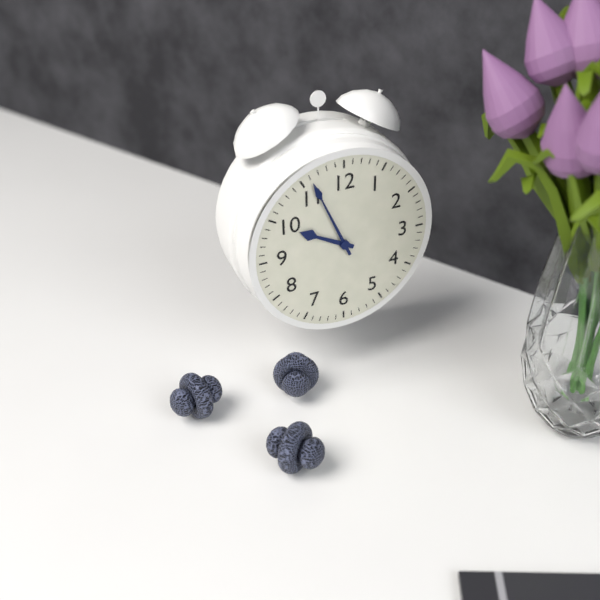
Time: {"hour": 9, "minute": 56}
